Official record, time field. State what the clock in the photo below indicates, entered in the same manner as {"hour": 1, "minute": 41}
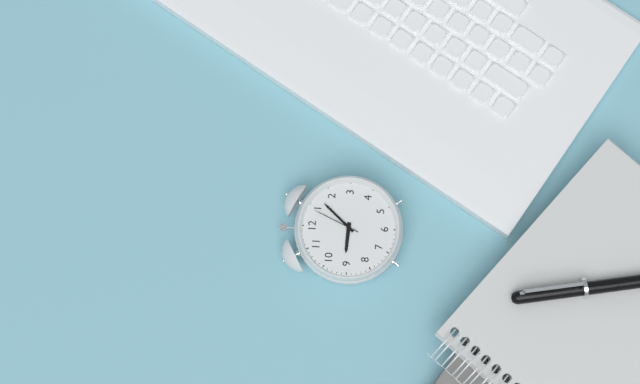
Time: {"hour": 9, "minute": 7}
